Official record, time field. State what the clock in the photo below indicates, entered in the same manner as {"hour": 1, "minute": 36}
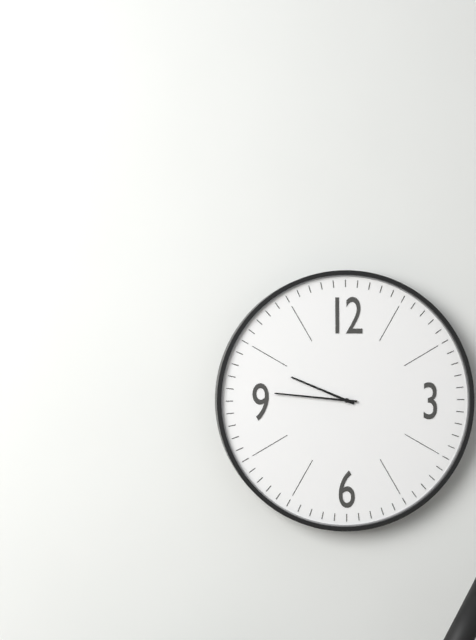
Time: {"hour": 9, "minute": 46}
